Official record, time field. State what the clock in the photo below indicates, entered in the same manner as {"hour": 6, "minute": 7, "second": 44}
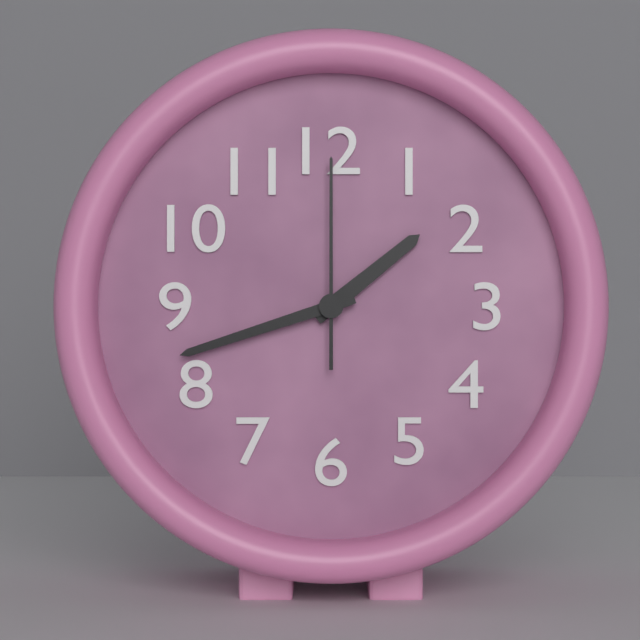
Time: {"hour": 1, "minute": 42, "second": 0}
